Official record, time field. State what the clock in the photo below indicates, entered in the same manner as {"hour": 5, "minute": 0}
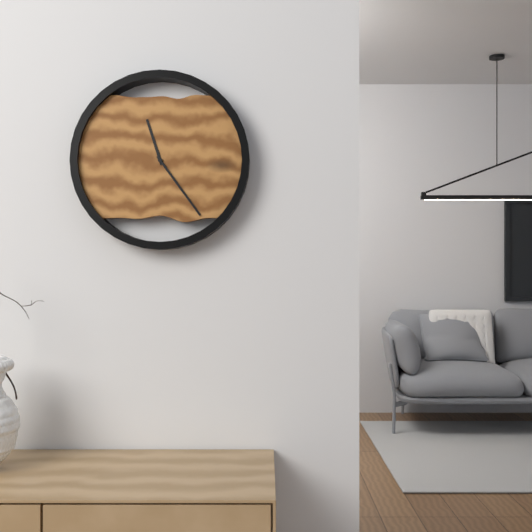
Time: {"hour": 11, "minute": 24}
